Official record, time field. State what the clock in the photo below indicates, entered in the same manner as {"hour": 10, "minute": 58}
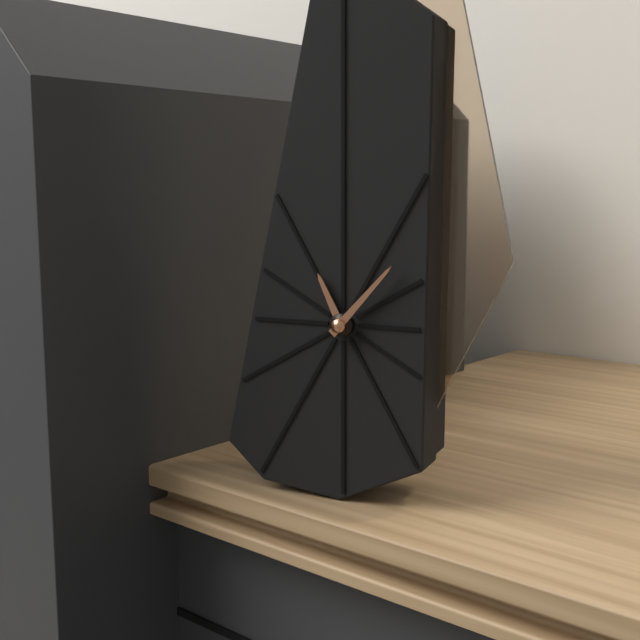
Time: {"hour": 11, "minute": 7}
